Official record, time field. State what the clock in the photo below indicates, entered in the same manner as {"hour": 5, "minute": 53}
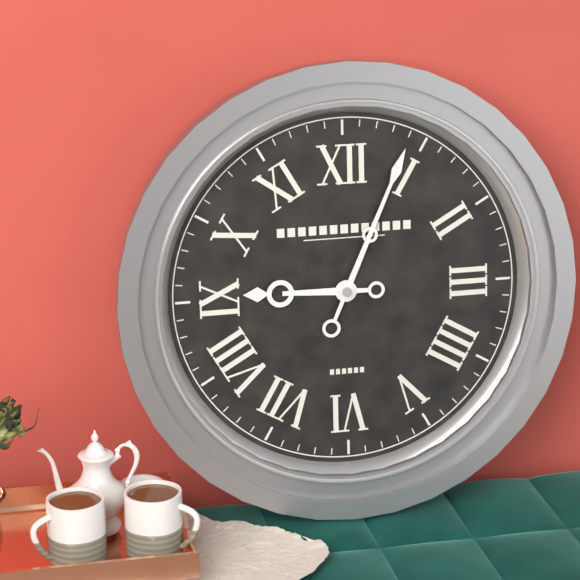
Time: {"hour": 9, "minute": 4}
